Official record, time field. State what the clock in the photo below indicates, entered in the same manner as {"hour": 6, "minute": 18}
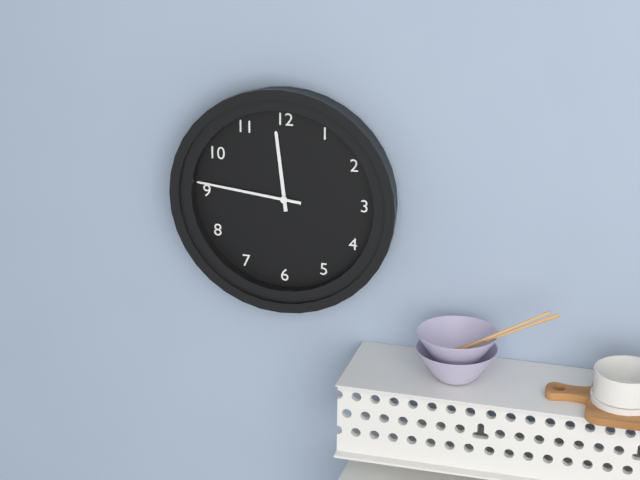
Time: {"hour": 11, "minute": 46}
